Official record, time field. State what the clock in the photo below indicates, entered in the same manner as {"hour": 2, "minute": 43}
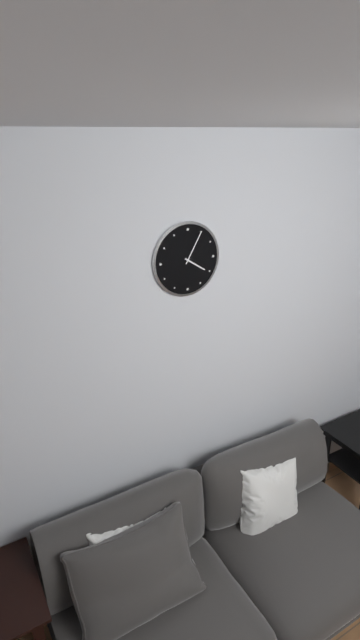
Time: {"hour": 4, "minute": 5}
